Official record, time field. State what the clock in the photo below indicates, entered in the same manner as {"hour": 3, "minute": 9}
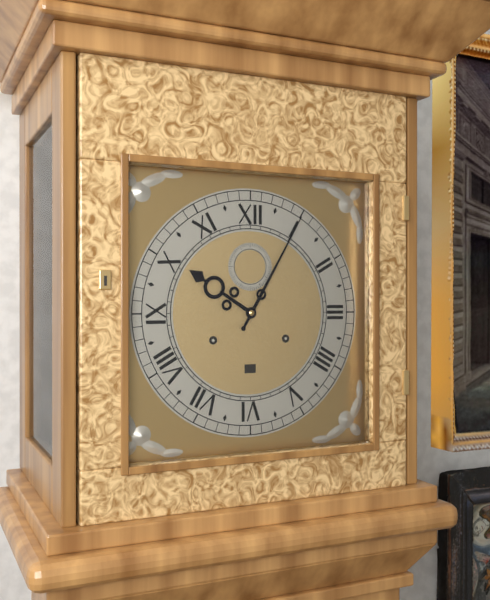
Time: {"hour": 10, "minute": 5}
